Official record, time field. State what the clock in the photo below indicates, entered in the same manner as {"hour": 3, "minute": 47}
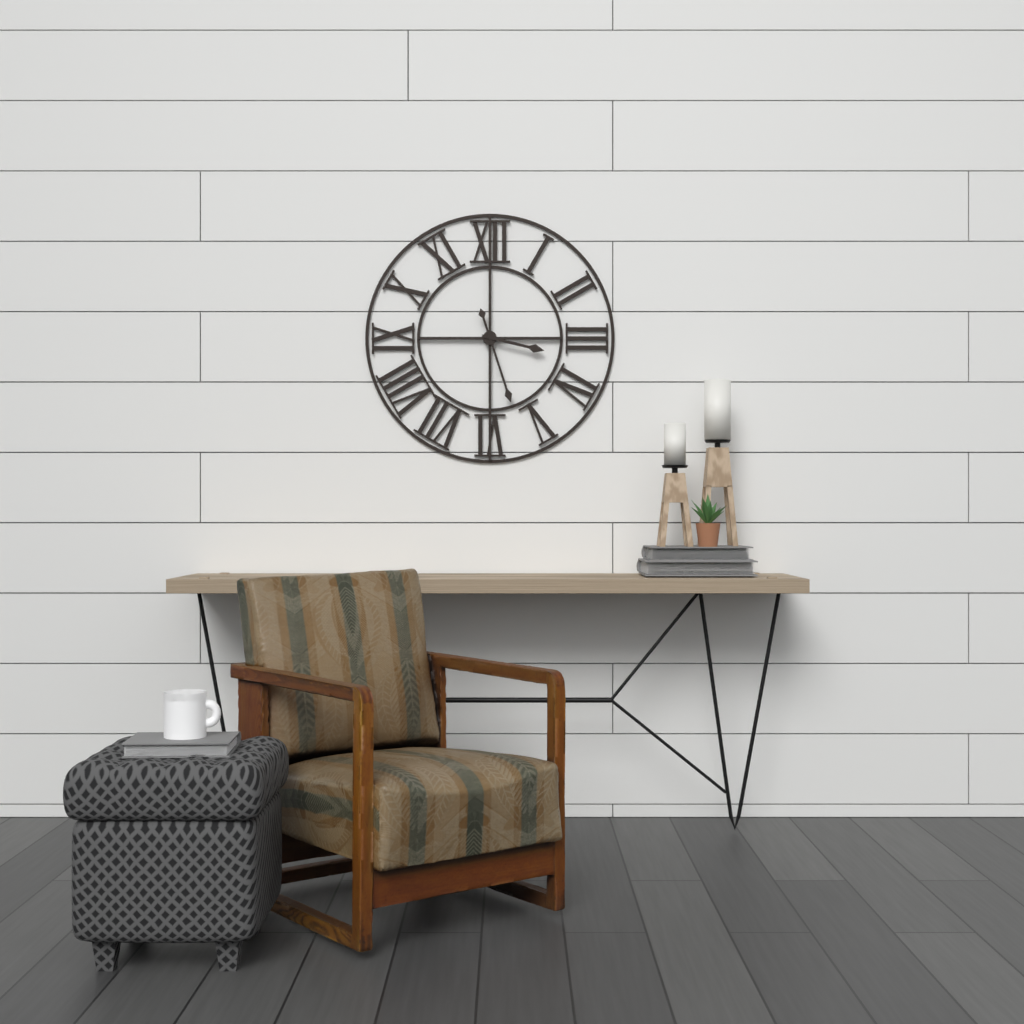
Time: {"hour": 3, "minute": 27}
